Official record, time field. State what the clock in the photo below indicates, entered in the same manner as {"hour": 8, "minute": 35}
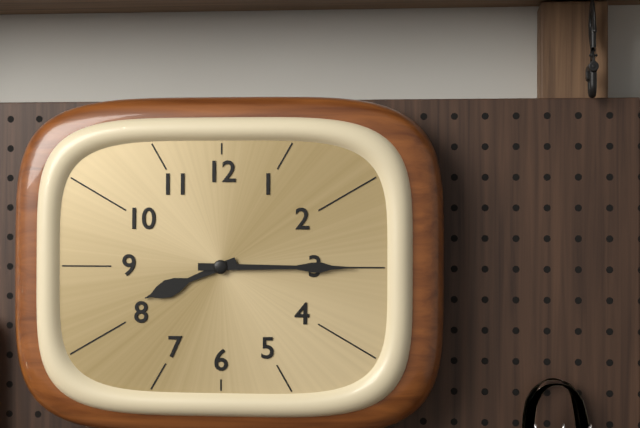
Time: {"hour": 8, "minute": 15}
